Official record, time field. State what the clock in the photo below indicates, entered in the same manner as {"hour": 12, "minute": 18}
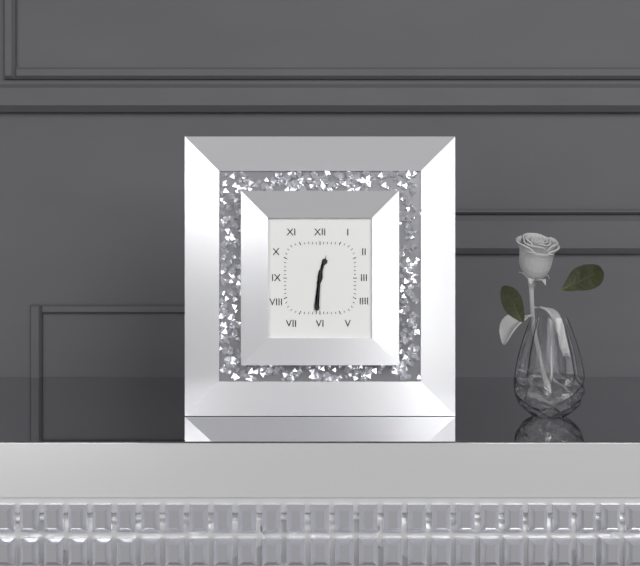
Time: {"hour": 12, "minute": 31}
